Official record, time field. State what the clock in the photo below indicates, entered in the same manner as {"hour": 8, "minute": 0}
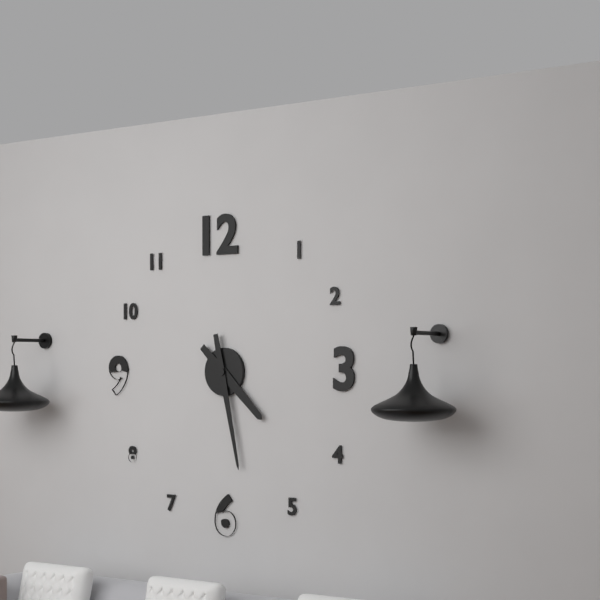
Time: {"hour": 4, "minute": 28}
